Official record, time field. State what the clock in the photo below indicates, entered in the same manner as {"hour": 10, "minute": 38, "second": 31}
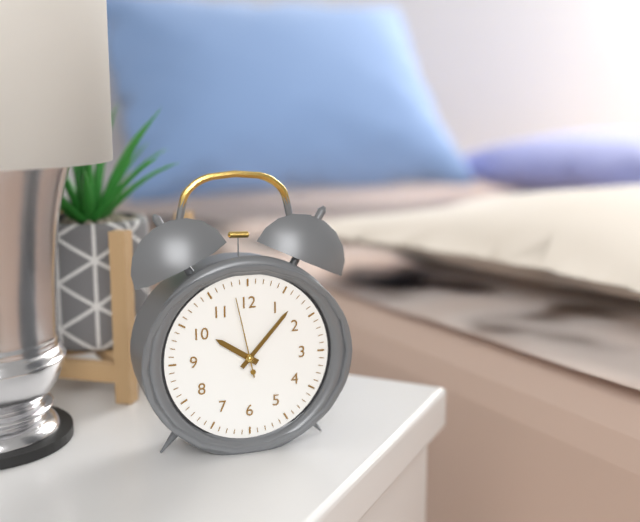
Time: {"hour": 10, "minute": 7, "second": 58}
